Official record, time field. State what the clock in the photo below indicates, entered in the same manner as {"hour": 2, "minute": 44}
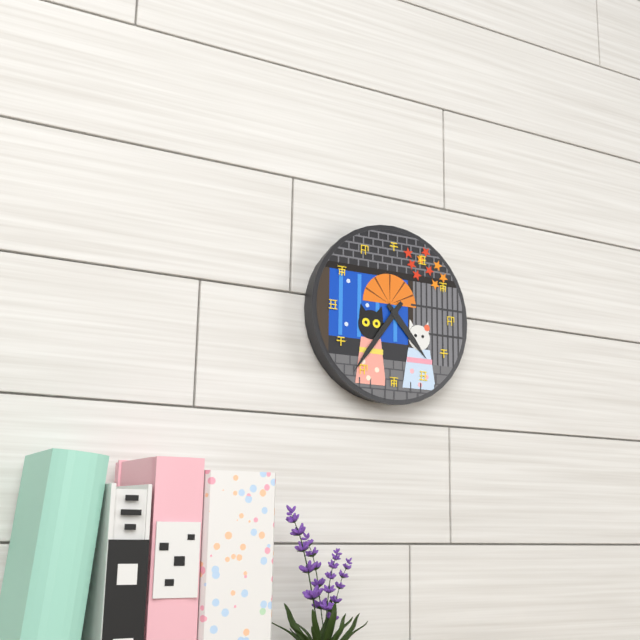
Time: {"hour": 4, "minute": 36}
